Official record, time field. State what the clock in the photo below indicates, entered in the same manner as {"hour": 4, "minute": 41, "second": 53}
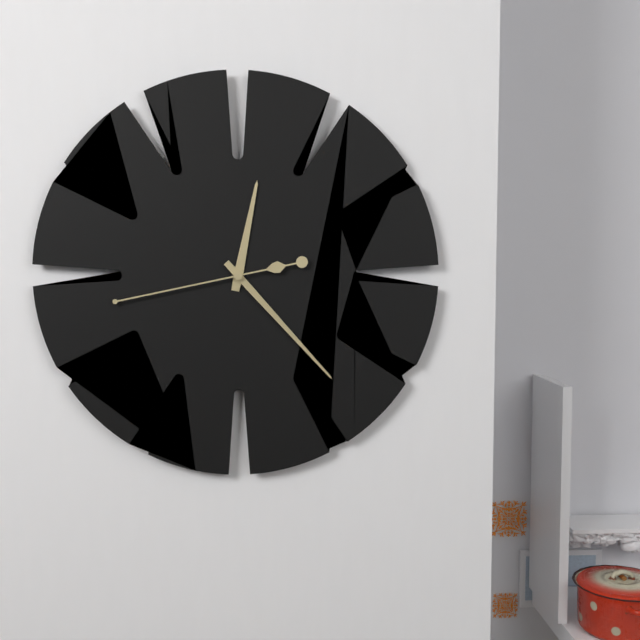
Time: {"hour": 12, "minute": 23, "second": 43}
